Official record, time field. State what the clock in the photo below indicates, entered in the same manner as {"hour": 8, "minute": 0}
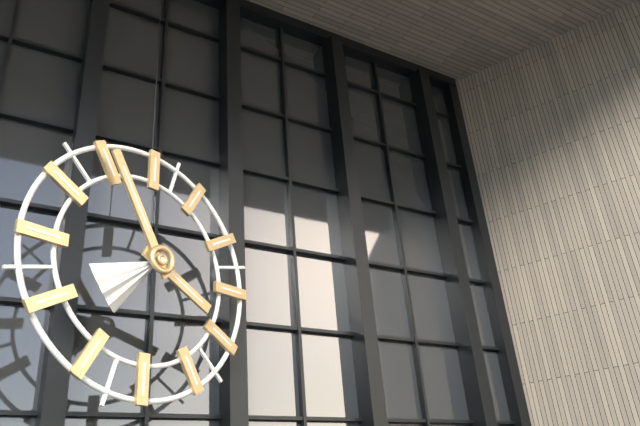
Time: {"hour": 3, "minute": 55}
